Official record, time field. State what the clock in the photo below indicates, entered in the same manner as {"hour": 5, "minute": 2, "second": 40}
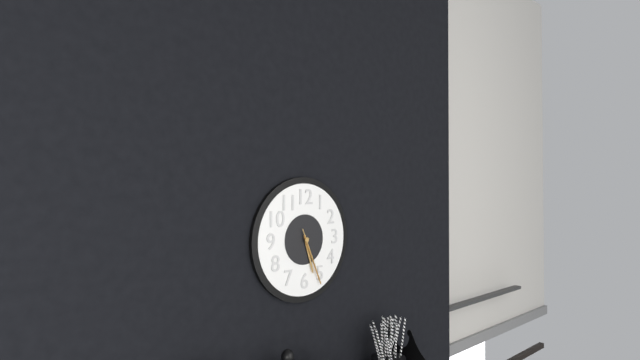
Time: {"hour": 5, "minute": 26, "second": 26}
